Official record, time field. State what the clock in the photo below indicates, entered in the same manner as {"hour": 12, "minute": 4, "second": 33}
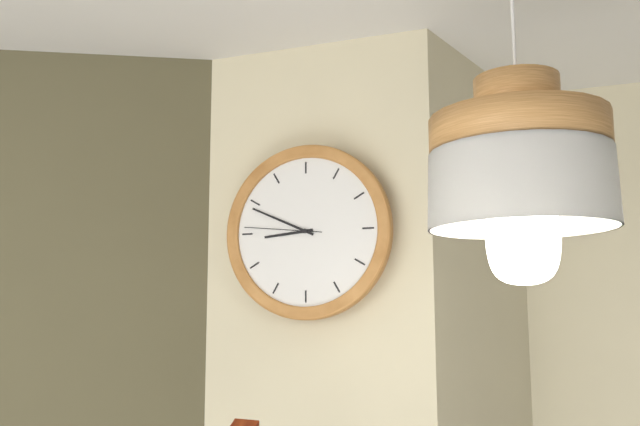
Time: {"hour": 8, "minute": 49, "second": 46}
